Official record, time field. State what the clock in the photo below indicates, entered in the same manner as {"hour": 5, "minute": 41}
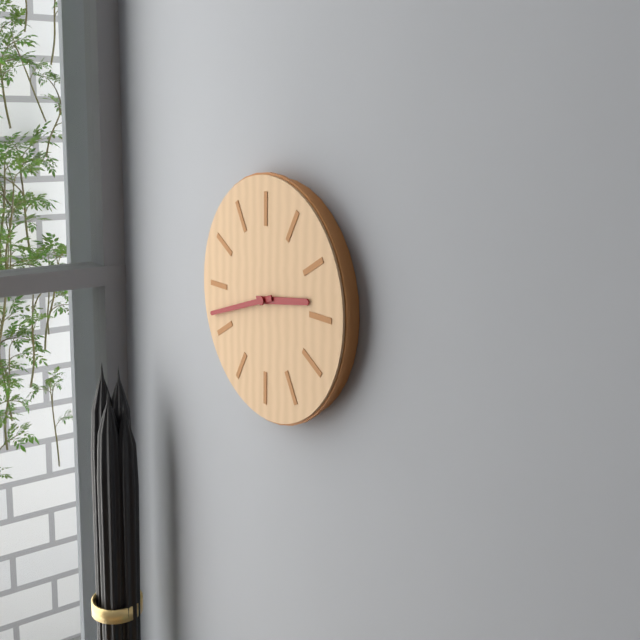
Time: {"hour": 2, "minute": 42}
